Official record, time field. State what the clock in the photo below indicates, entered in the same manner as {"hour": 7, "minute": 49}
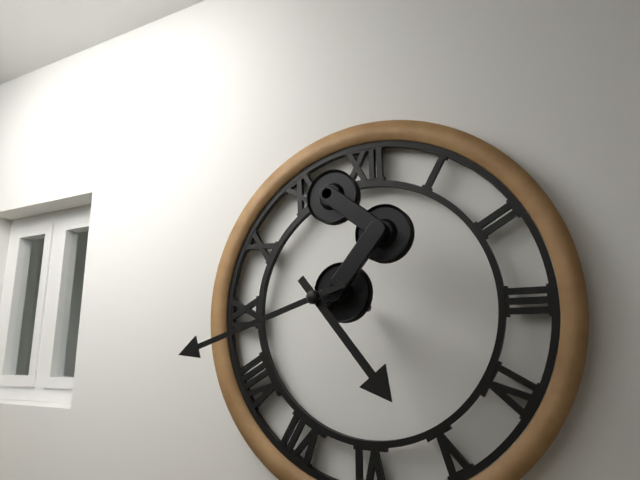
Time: {"hour": 4, "minute": 42}
